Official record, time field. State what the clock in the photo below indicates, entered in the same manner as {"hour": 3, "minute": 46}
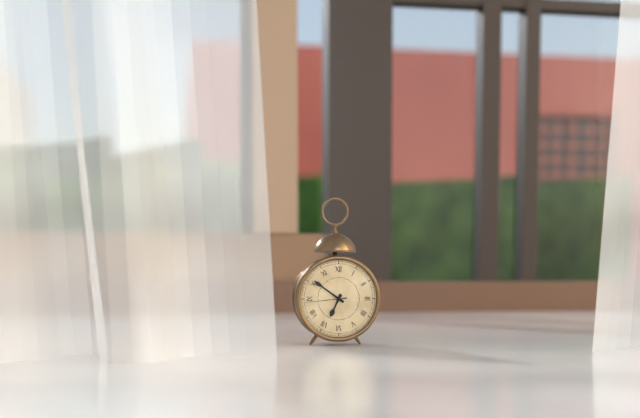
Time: {"hour": 6, "minute": 51}
